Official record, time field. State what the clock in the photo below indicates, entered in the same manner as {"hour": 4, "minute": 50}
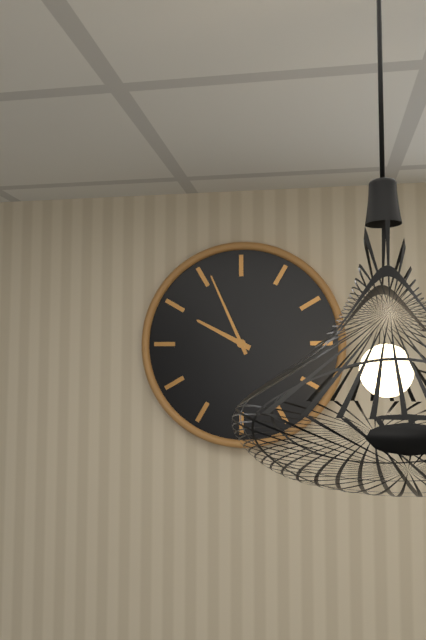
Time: {"hour": 9, "minute": 56}
